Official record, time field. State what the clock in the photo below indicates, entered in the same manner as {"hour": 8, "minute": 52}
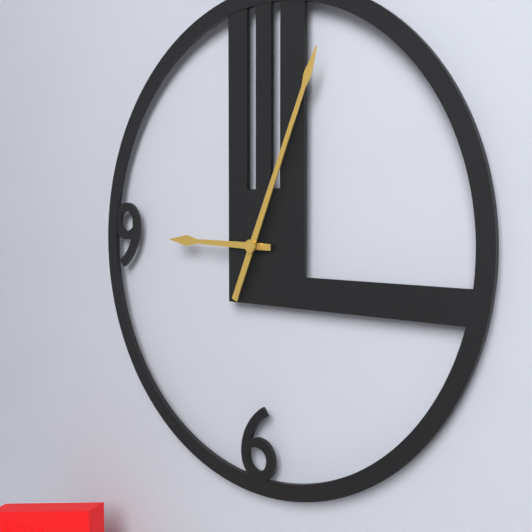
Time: {"hour": 9, "minute": 4}
